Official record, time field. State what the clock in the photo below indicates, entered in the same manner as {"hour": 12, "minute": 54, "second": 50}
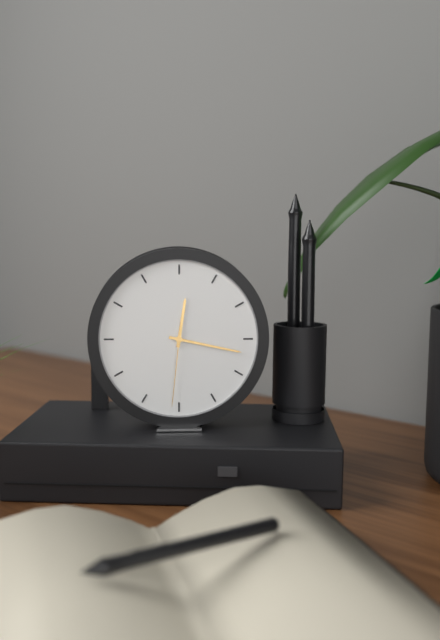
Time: {"hour": 12, "minute": 17, "second": 31}
